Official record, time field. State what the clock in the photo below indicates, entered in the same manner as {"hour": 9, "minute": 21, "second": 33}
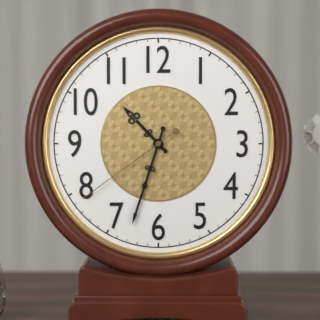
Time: {"hour": 10, "minute": 33, "second": 39}
